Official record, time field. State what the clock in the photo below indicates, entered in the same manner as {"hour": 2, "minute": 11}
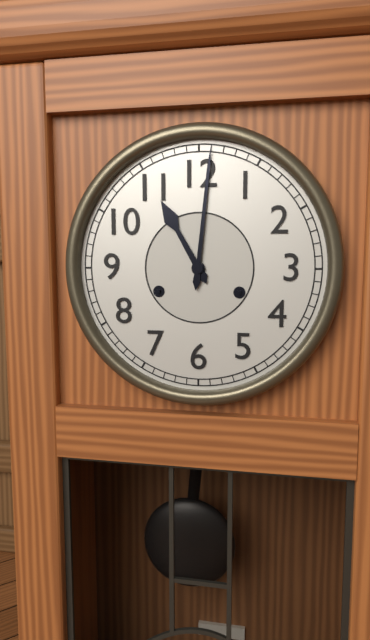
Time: {"hour": 11, "minute": 1}
